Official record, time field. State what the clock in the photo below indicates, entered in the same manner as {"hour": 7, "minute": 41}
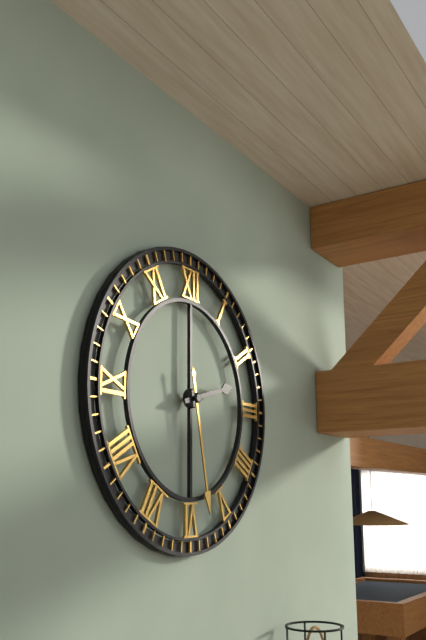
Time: {"hour": 2, "minute": 28}
